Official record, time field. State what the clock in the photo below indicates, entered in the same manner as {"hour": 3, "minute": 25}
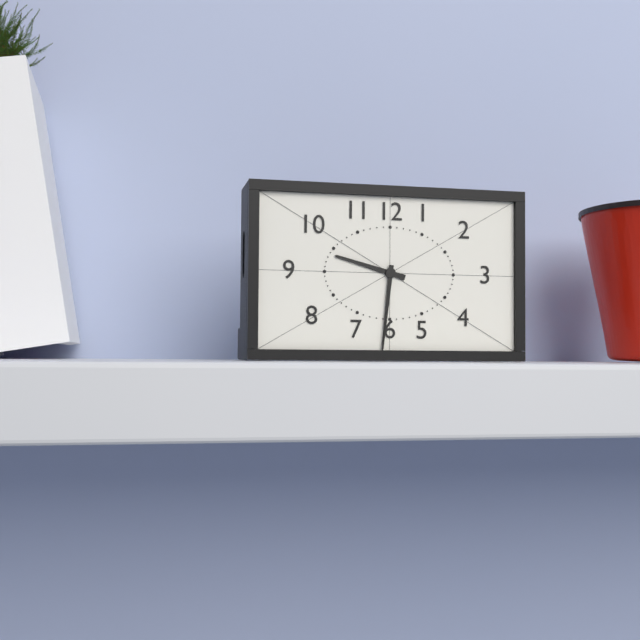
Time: {"hour": 9, "minute": 31}
